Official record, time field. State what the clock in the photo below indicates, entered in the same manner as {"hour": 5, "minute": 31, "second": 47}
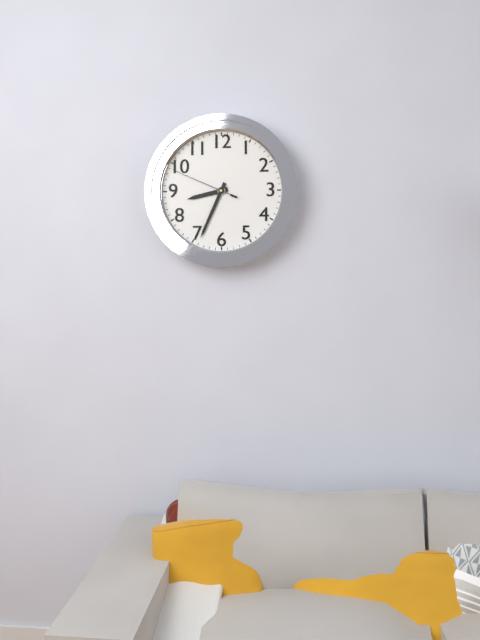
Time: {"hour": 8, "minute": 34, "second": 49}
